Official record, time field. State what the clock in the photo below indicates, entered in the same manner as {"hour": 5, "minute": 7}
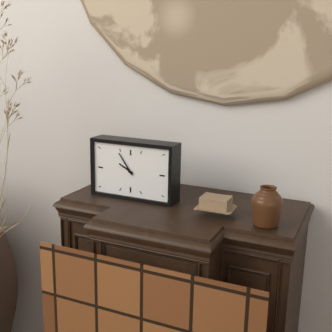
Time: {"hour": 9, "minute": 54}
